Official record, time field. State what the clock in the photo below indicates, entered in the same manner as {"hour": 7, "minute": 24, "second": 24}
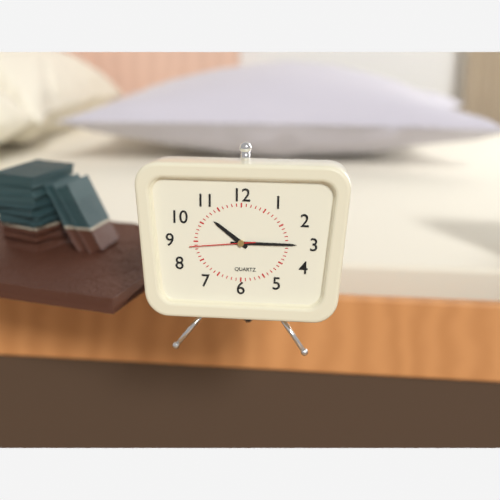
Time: {"hour": 10, "minute": 15, "second": 44}
